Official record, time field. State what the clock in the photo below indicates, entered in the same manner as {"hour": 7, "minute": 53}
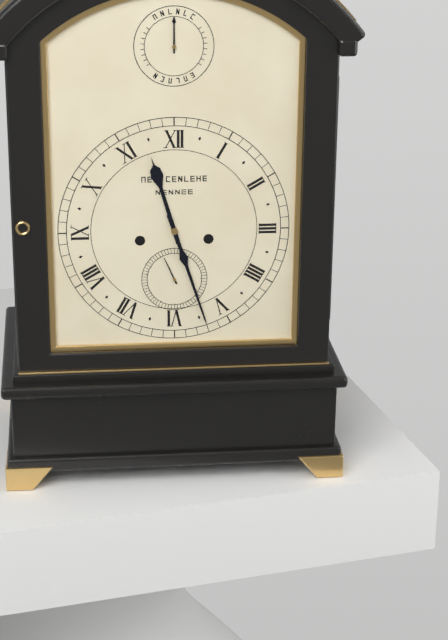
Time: {"hour": 11, "minute": 27}
